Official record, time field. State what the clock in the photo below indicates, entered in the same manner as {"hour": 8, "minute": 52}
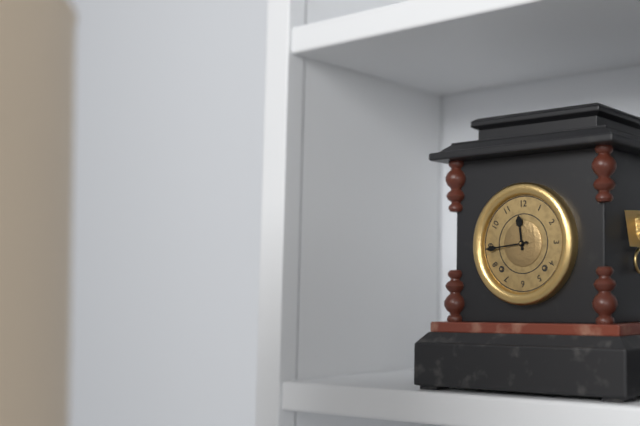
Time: {"hour": 11, "minute": 44}
